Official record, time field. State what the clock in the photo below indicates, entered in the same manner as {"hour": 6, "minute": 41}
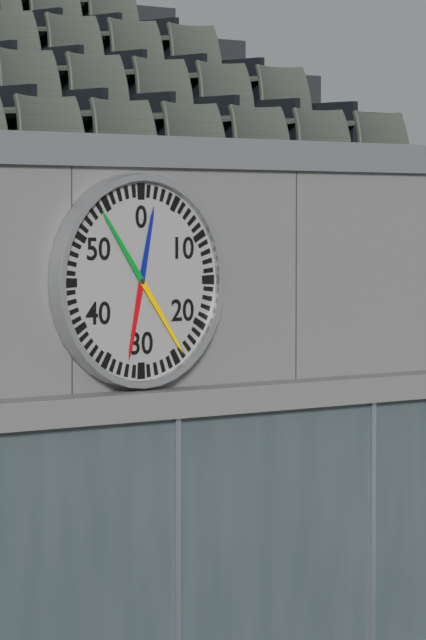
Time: {"hour": 6, "minute": 24}
